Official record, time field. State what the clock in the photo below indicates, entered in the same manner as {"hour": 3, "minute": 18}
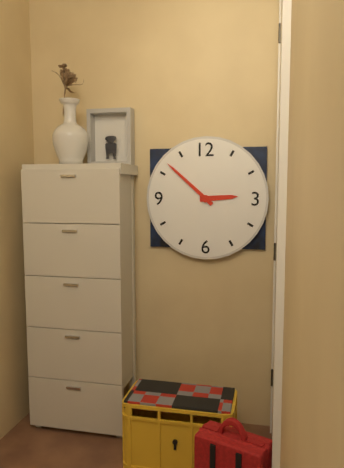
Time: {"hour": 2, "minute": 52}
